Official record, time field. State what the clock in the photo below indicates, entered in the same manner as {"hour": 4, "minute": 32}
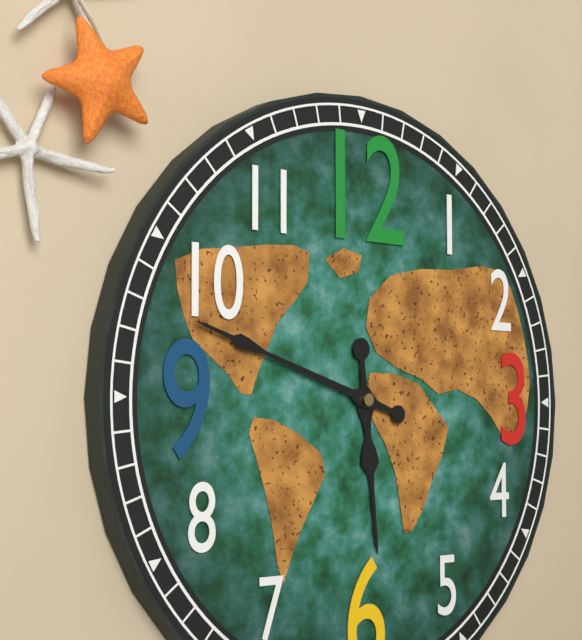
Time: {"hour": 5, "minute": 48}
